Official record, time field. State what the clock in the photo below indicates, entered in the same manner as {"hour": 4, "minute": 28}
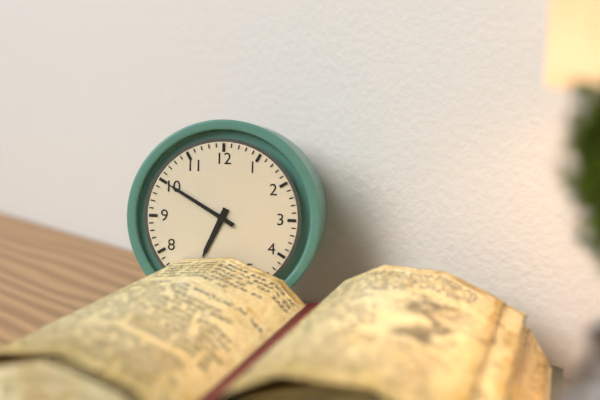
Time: {"hour": 6, "minute": 50}
